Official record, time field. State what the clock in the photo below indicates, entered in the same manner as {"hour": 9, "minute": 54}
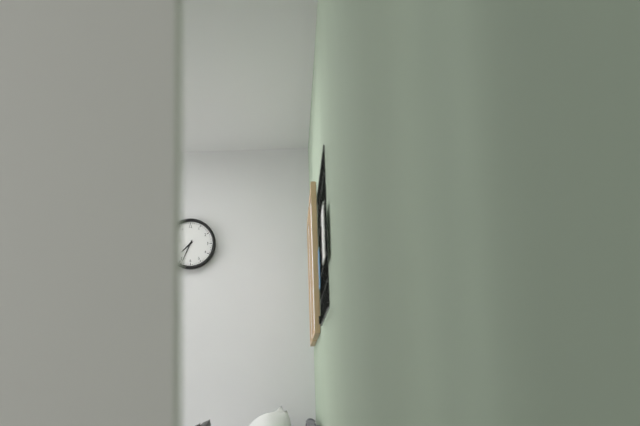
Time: {"hour": 7, "minute": 34}
